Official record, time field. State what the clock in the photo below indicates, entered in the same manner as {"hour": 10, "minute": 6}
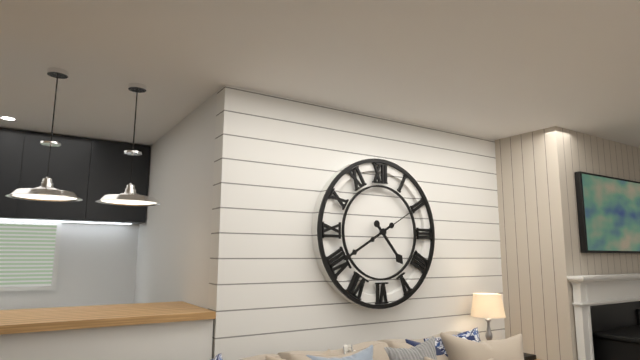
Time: {"hour": 4, "minute": 40}
